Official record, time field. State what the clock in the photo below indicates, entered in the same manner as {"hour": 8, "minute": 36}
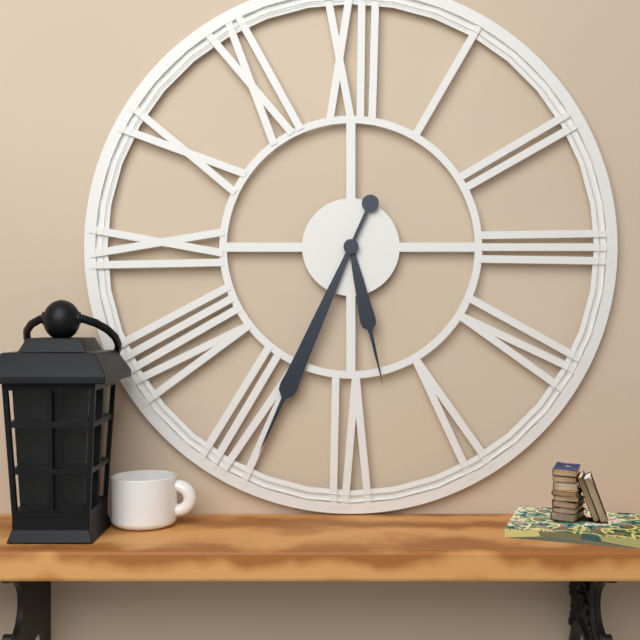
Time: {"hour": 5, "minute": 34}
